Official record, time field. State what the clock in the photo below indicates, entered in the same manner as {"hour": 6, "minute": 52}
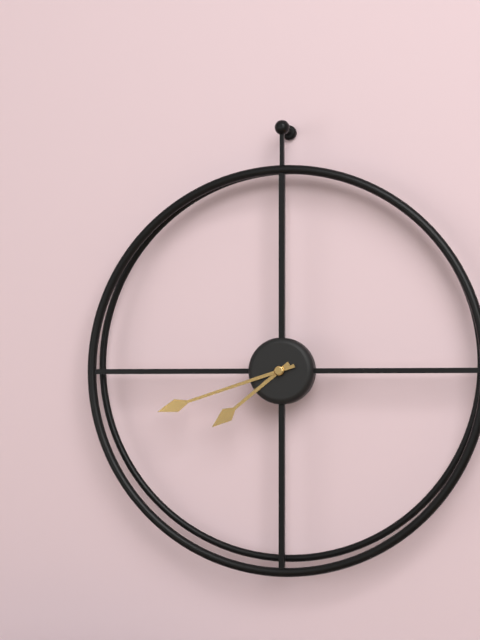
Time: {"hour": 7, "minute": 42}
